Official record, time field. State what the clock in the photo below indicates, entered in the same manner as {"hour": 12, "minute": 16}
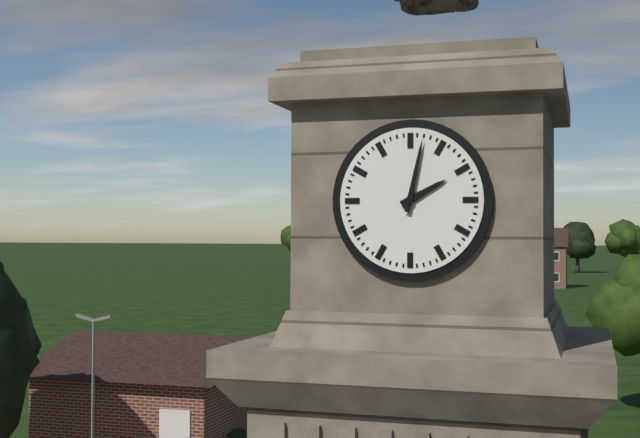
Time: {"hour": 2, "minute": 2}
